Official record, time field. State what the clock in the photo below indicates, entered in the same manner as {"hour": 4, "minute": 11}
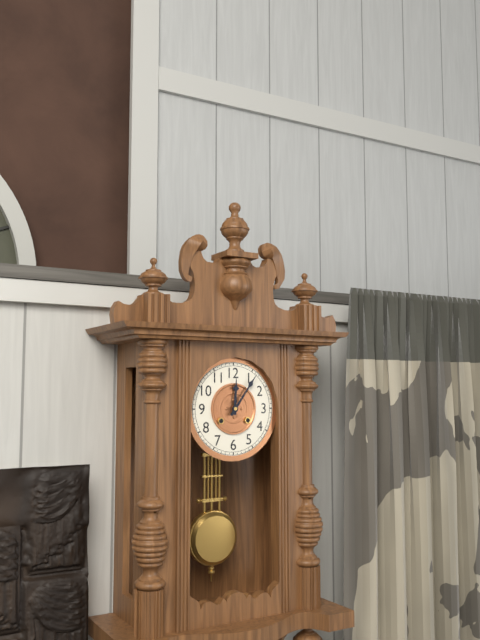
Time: {"hour": 12, "minute": 6}
